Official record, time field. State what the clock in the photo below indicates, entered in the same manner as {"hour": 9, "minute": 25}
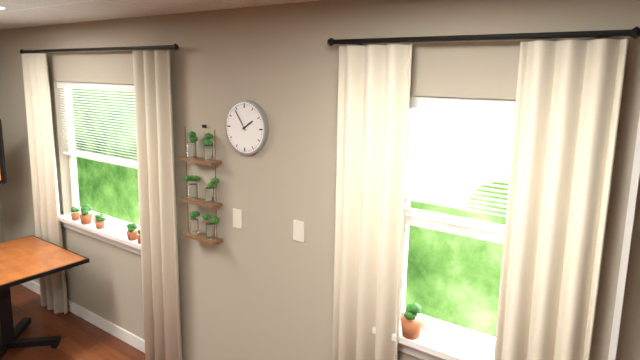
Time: {"hour": 1, "minute": 54}
